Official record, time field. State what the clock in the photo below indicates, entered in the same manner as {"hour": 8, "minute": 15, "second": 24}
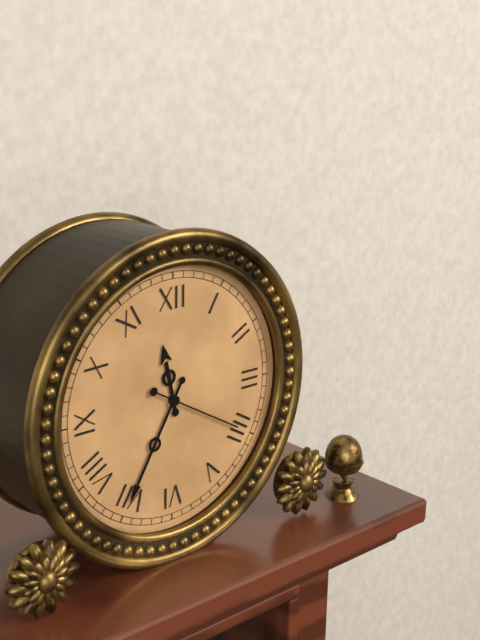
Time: {"hour": 11, "minute": 35, "second": 20}
